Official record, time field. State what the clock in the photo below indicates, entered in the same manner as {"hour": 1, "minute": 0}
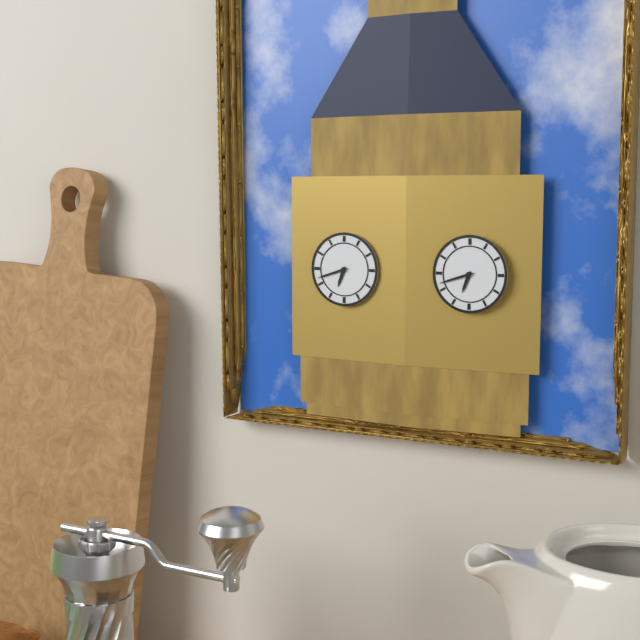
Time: {"hour": 6, "minute": 42}
